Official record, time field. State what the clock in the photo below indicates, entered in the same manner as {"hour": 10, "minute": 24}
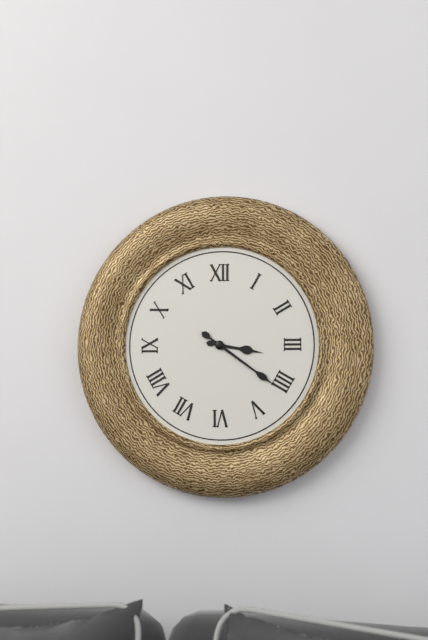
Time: {"hour": 3, "minute": 21}
